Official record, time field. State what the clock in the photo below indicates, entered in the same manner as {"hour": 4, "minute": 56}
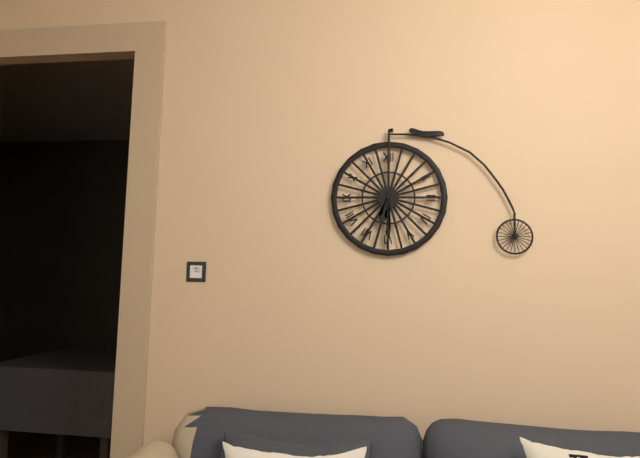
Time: {"hour": 6, "minute": 30}
